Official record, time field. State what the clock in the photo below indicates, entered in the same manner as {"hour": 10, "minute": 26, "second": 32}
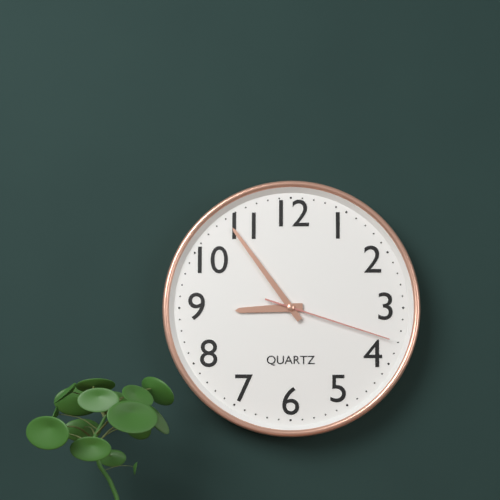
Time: {"hour": 8, "minute": 54, "second": 18}
